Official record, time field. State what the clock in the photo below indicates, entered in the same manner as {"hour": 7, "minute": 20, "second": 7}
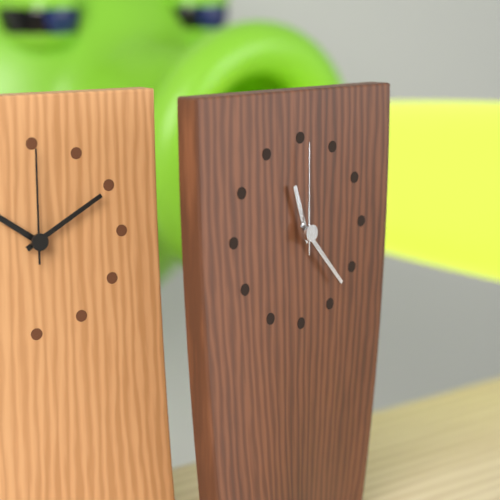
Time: {"hour": 11, "minute": 23, "second": 0}
